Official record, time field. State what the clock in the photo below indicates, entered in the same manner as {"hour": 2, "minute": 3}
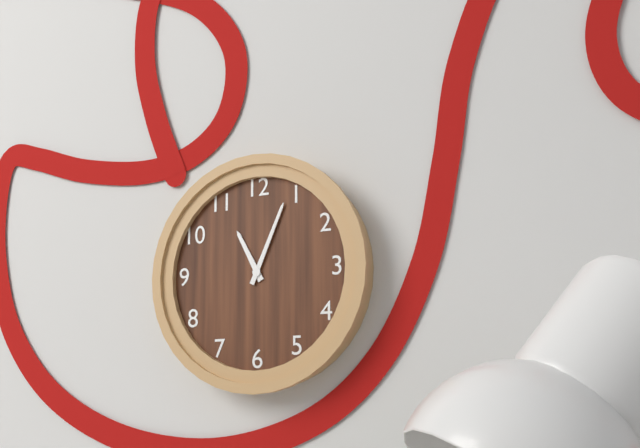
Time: {"hour": 11, "minute": 4}
